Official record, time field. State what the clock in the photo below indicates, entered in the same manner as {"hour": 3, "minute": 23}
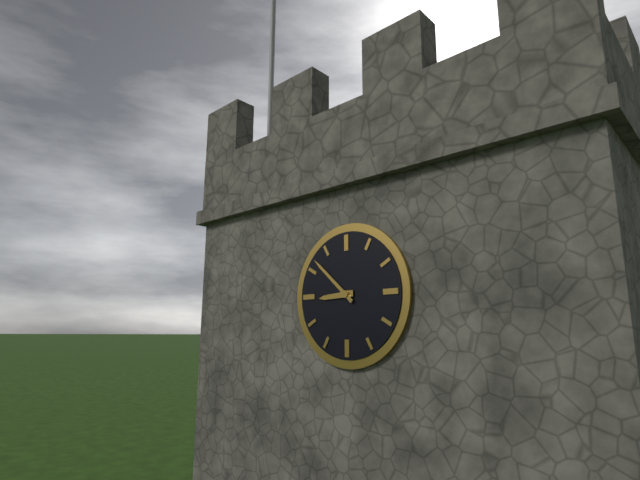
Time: {"hour": 8, "minute": 52}
